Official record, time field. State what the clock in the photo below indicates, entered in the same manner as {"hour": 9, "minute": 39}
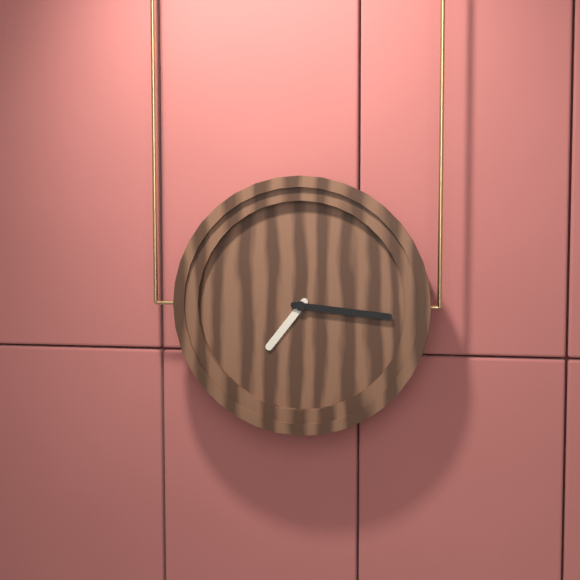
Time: {"hour": 7, "minute": 16}
